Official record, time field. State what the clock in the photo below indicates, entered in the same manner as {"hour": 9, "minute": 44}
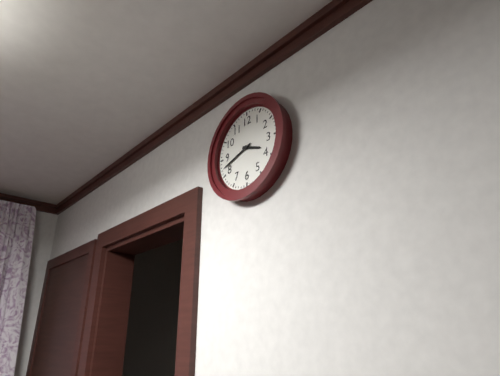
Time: {"hour": 3, "minute": 42}
